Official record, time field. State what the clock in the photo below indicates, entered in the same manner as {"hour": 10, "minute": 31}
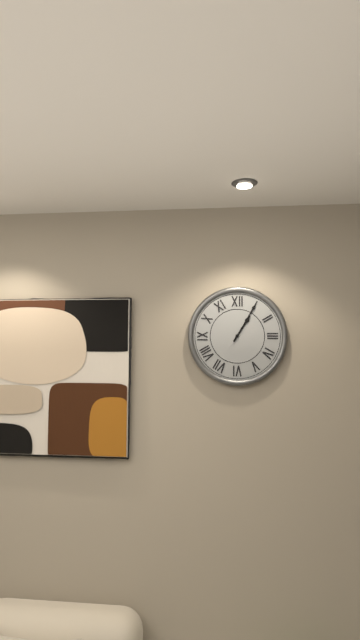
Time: {"hour": 1, "minute": 5}
